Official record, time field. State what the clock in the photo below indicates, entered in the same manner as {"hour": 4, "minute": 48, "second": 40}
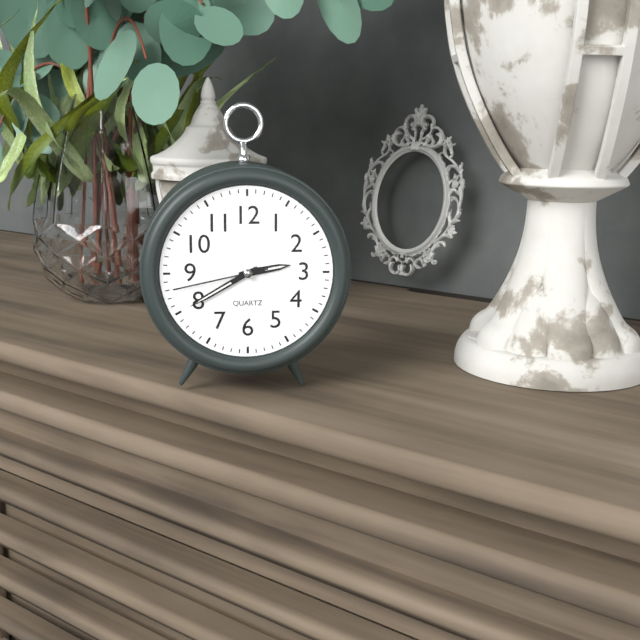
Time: {"hour": 2, "minute": 40, "second": 43}
